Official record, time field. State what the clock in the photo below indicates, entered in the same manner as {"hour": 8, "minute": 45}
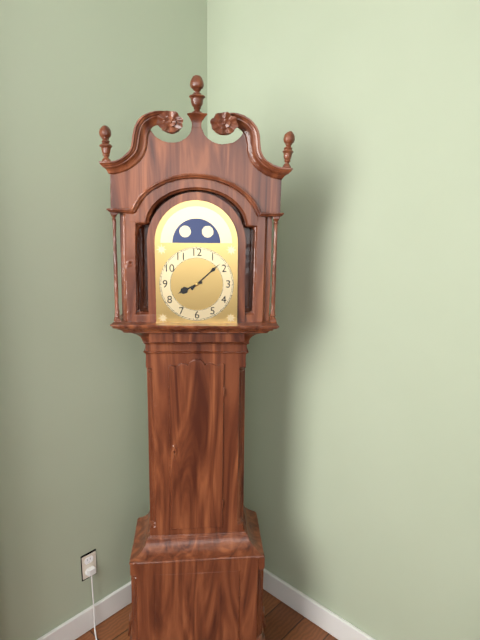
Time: {"hour": 8, "minute": 8}
